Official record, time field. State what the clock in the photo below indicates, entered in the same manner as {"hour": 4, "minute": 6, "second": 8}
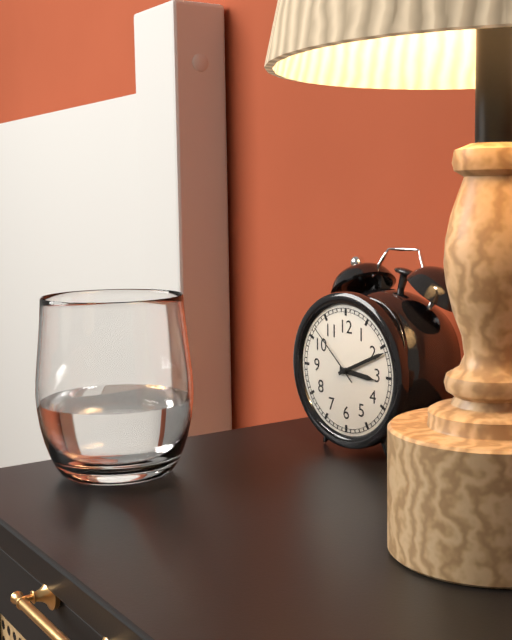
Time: {"hour": 3, "minute": 11, "second": 52}
